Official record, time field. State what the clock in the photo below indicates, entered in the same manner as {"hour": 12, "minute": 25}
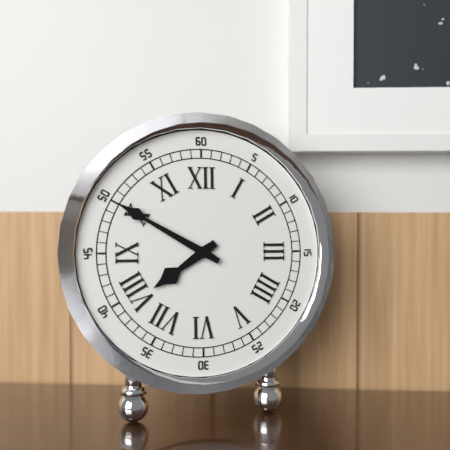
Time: {"hour": 7, "minute": 50}
